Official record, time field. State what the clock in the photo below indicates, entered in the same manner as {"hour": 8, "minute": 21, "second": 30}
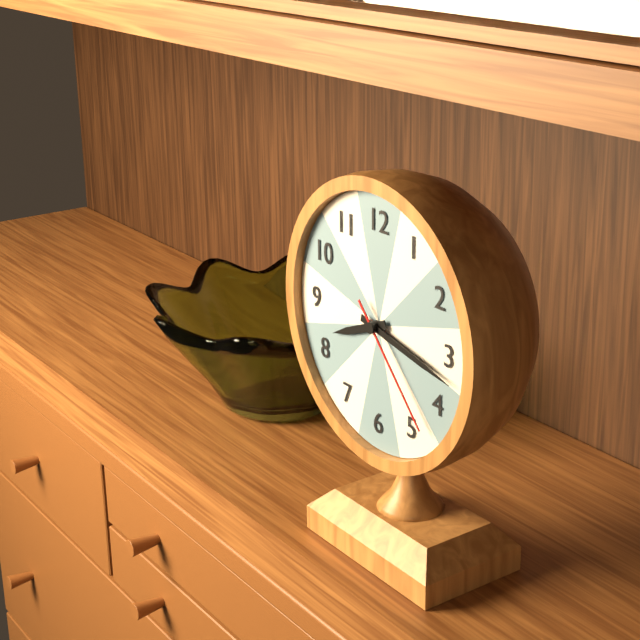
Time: {"hour": 8, "minute": 17, "second": 23}
